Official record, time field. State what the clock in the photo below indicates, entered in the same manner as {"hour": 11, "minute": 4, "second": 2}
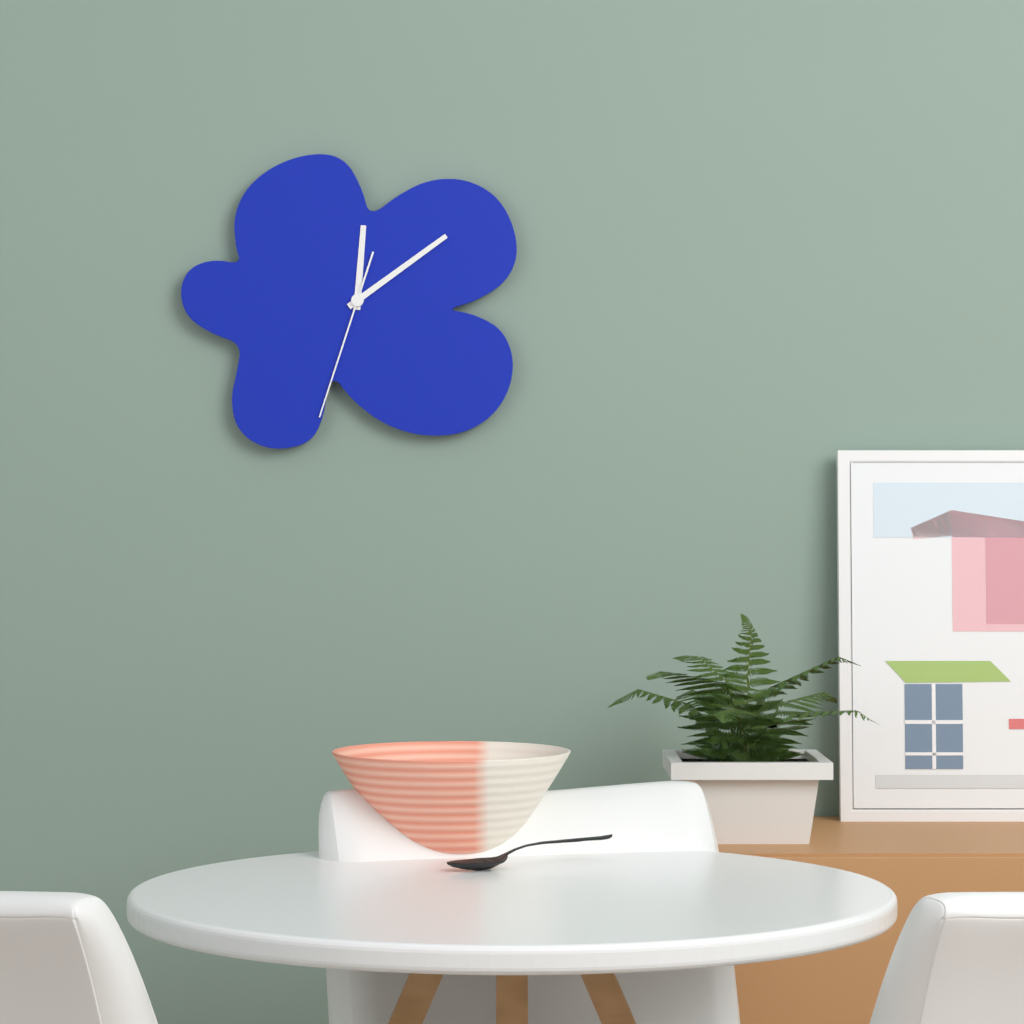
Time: {"hour": 12, "minute": 9, "second": 33}
